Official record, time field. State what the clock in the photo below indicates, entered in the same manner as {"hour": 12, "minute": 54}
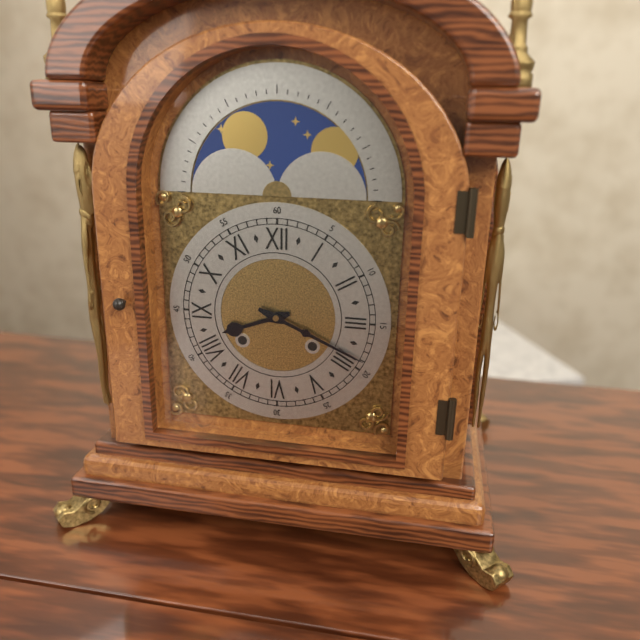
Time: {"hour": 8, "minute": 19}
